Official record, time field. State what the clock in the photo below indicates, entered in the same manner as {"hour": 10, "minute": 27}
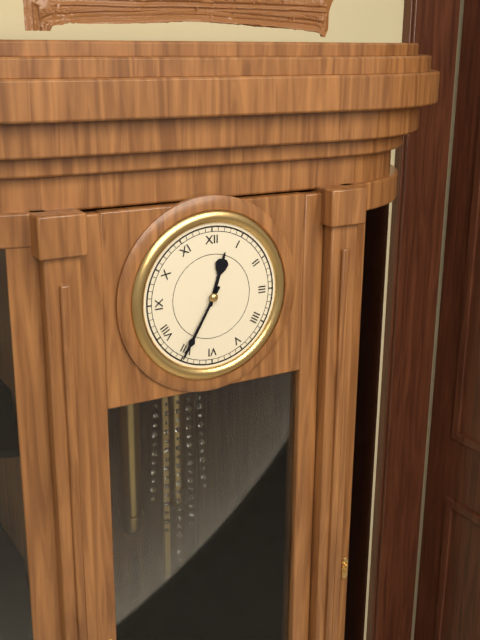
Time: {"hour": 12, "minute": 35}
